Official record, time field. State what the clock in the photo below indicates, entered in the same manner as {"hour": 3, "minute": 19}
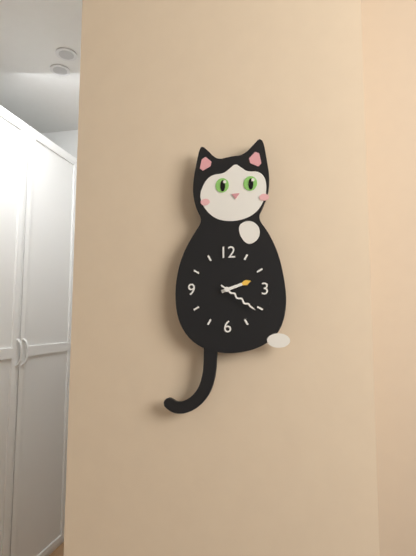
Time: {"hour": 2, "minute": 21}
